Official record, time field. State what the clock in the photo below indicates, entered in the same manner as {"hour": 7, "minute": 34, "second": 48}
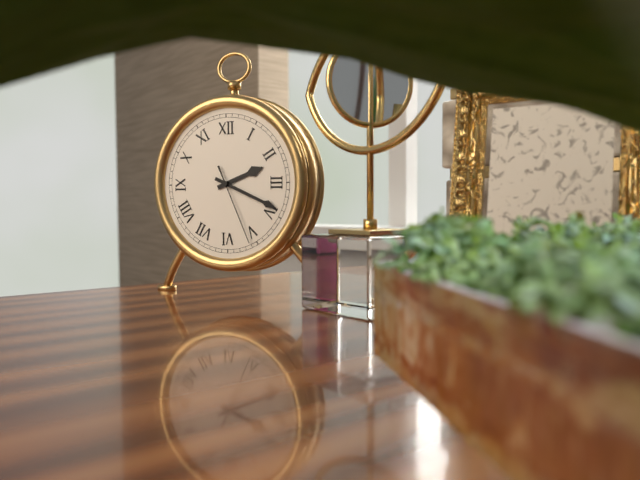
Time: {"hour": 2, "minute": 19, "second": 26}
